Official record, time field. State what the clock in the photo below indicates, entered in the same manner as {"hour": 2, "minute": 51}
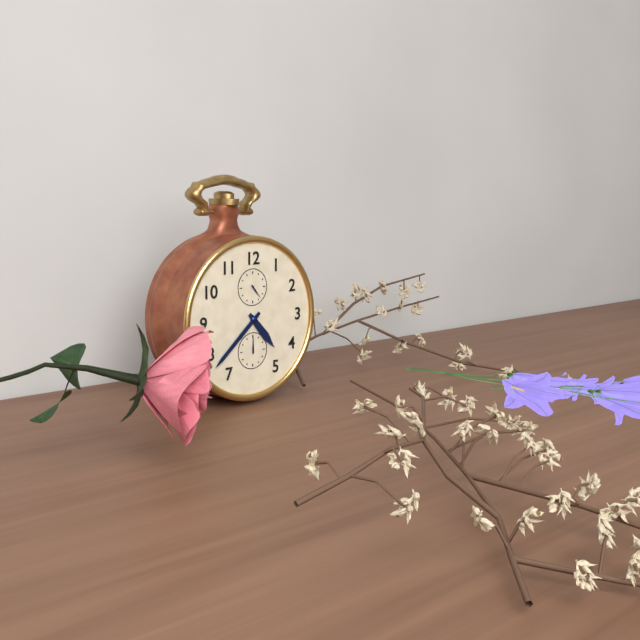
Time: {"hour": 4, "minute": 38}
